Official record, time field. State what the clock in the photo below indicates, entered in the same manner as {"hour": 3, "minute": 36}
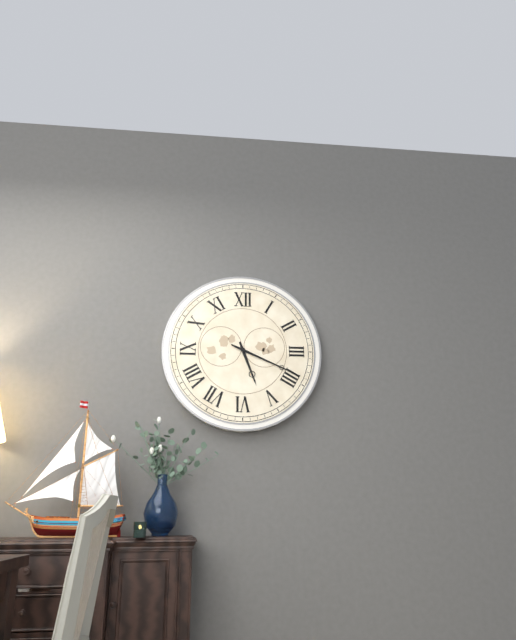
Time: {"hour": 5, "minute": 19}
